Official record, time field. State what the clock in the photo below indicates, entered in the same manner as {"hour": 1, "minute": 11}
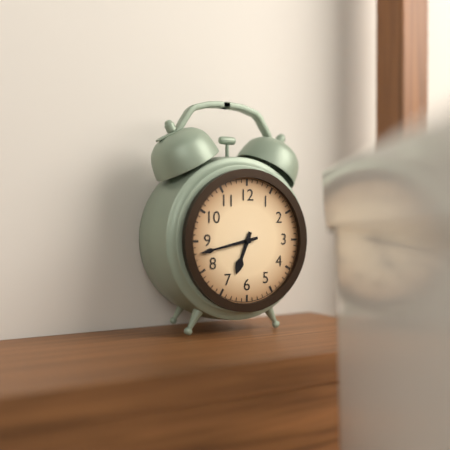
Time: {"hour": 6, "minute": 43}
